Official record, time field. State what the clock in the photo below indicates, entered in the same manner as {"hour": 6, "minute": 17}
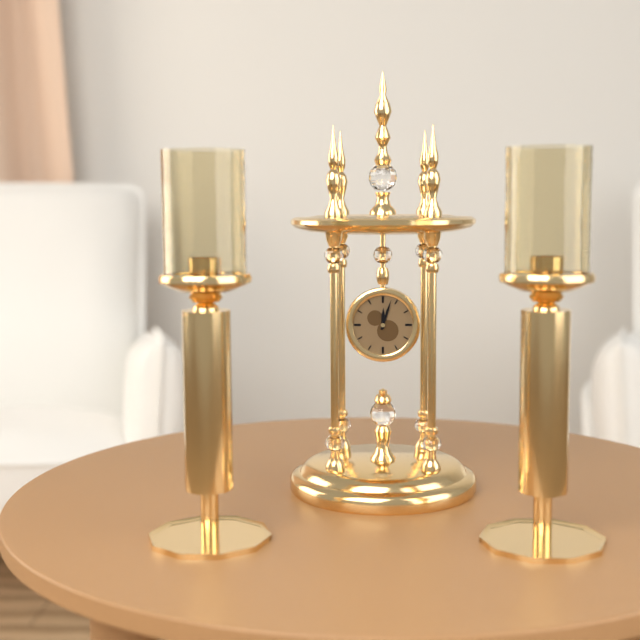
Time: {"hour": 12, "minute": 3}
